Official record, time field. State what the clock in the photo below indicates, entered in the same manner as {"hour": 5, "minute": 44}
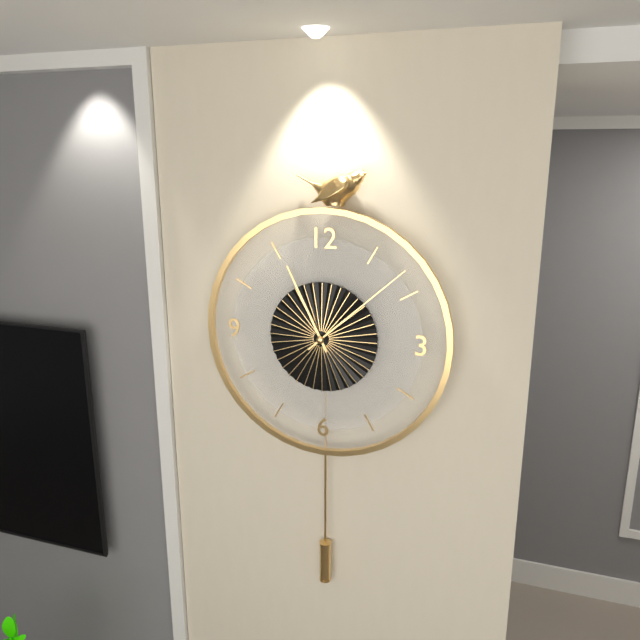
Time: {"hour": 11, "minute": 8}
